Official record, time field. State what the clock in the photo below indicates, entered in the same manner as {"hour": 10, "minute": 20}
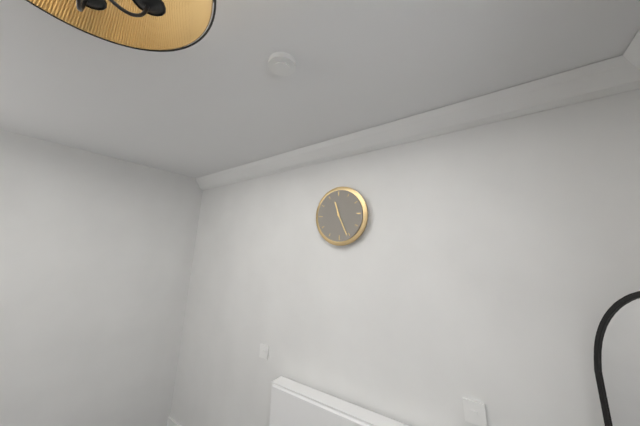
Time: {"hour": 11, "minute": 26}
